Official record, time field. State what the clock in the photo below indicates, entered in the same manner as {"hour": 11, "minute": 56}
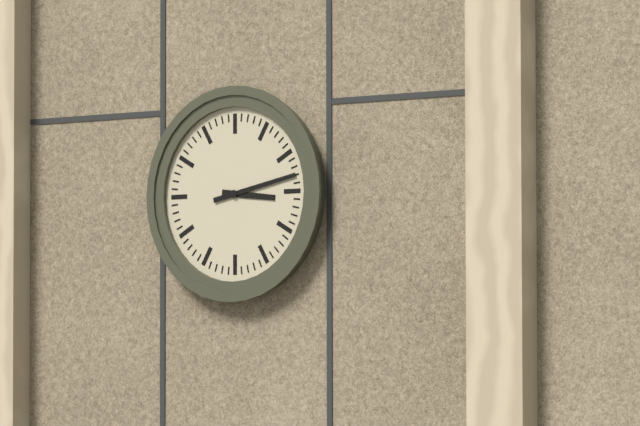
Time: {"hour": 3, "minute": 13}
